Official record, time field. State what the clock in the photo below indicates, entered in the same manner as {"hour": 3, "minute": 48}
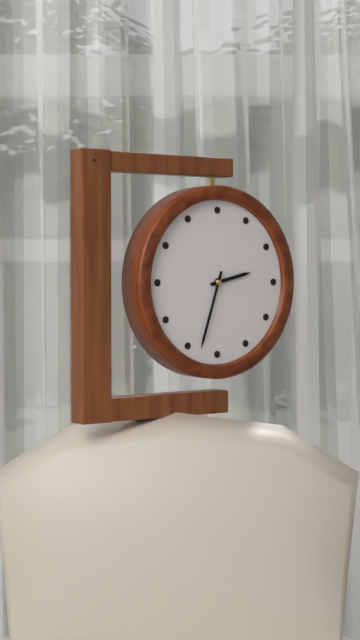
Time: {"hour": 2, "minute": 33}
